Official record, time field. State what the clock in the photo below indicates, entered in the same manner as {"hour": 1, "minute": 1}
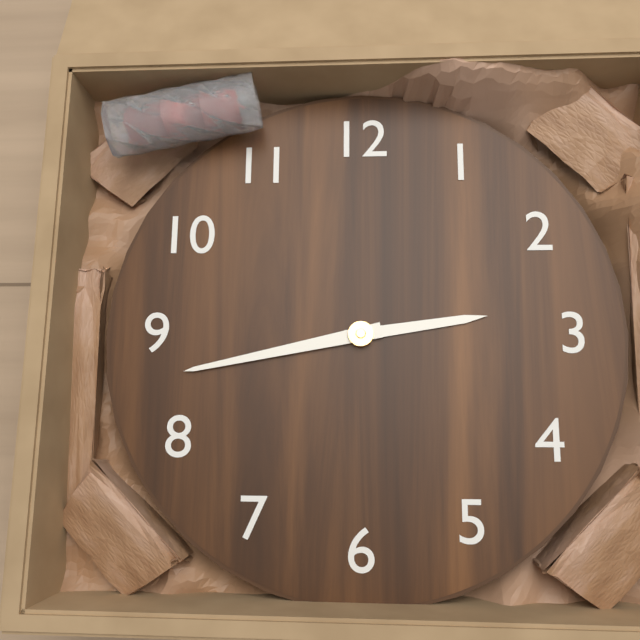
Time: {"hour": 2, "minute": 43}
